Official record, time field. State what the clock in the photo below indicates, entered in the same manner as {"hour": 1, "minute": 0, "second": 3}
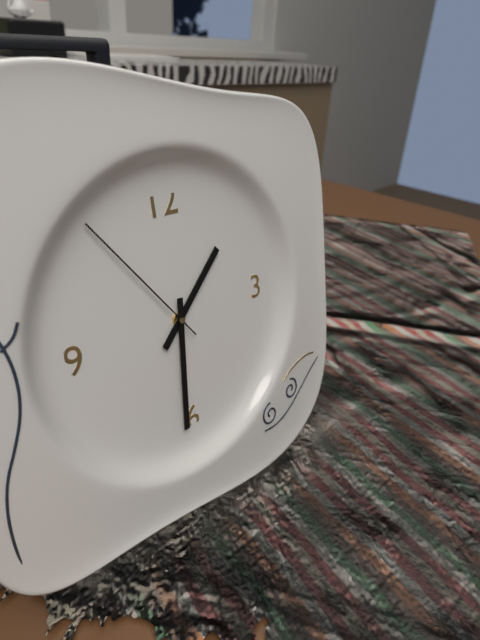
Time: {"hour": 1, "minute": 31, "second": 54}
